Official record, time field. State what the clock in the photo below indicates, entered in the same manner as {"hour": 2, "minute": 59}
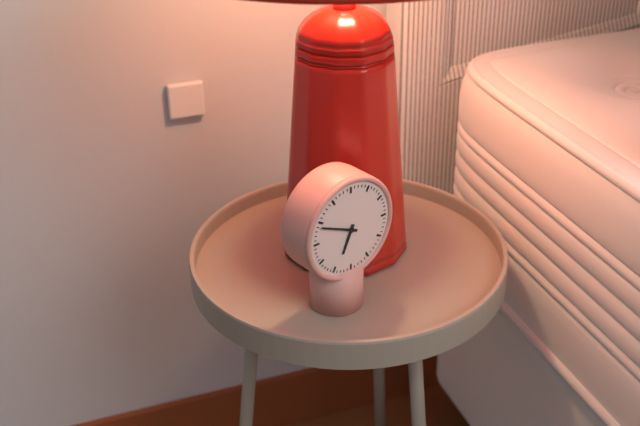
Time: {"hour": 6, "minute": 49}
